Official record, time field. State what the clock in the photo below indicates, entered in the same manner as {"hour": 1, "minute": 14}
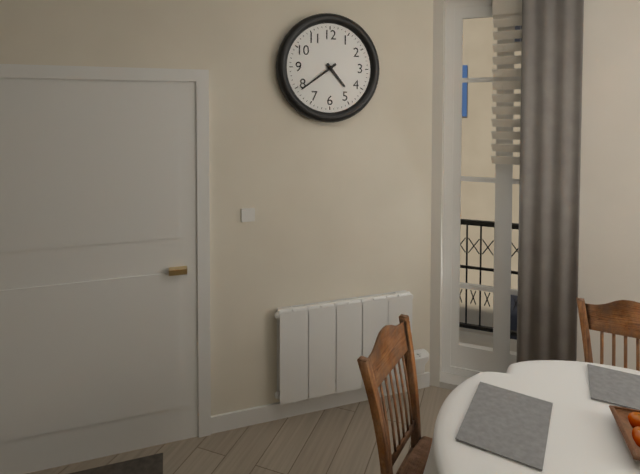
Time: {"hour": 4, "minute": 39}
